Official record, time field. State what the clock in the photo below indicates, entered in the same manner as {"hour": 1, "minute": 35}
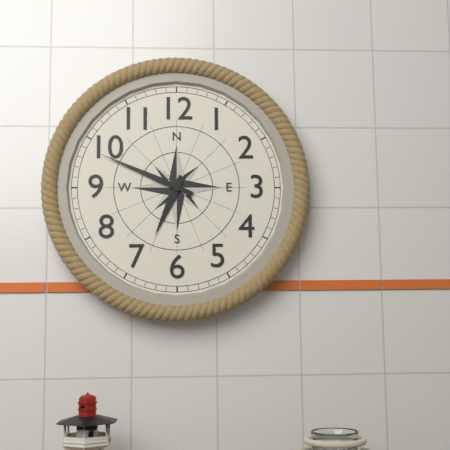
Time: {"hour": 6, "minute": 49}
